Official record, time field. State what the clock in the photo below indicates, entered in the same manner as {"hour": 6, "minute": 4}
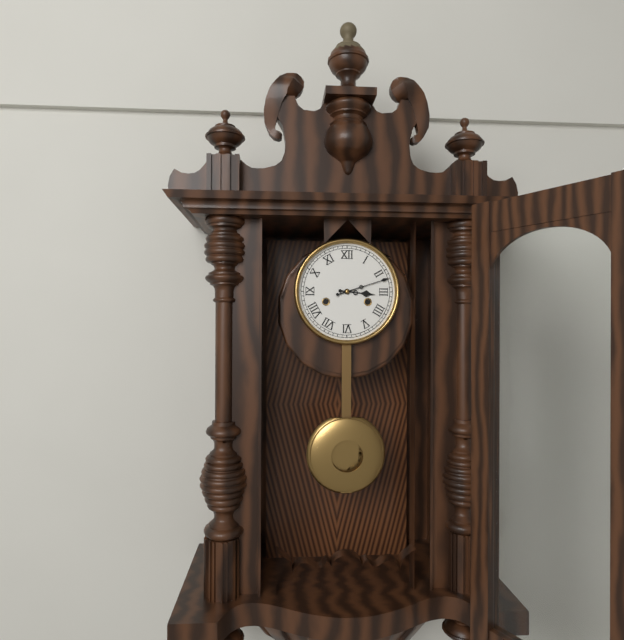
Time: {"hour": 3, "minute": 12}
